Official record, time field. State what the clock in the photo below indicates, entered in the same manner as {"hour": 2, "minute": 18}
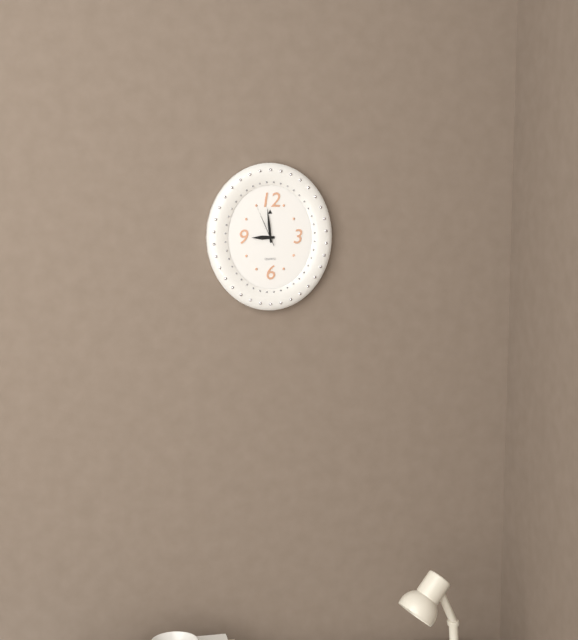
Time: {"hour": 8, "minute": 59}
